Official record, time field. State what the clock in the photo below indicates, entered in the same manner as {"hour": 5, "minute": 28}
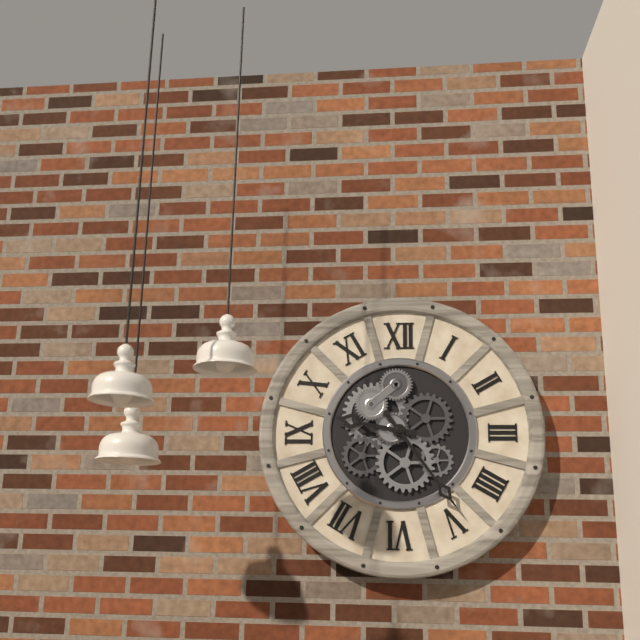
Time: {"hour": 9, "minute": 24}
